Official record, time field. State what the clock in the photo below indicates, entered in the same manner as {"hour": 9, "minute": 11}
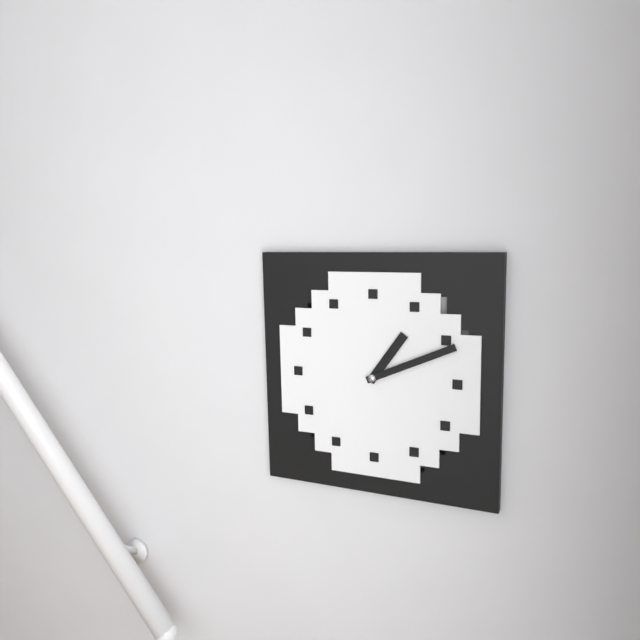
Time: {"hour": 1, "minute": 11}
